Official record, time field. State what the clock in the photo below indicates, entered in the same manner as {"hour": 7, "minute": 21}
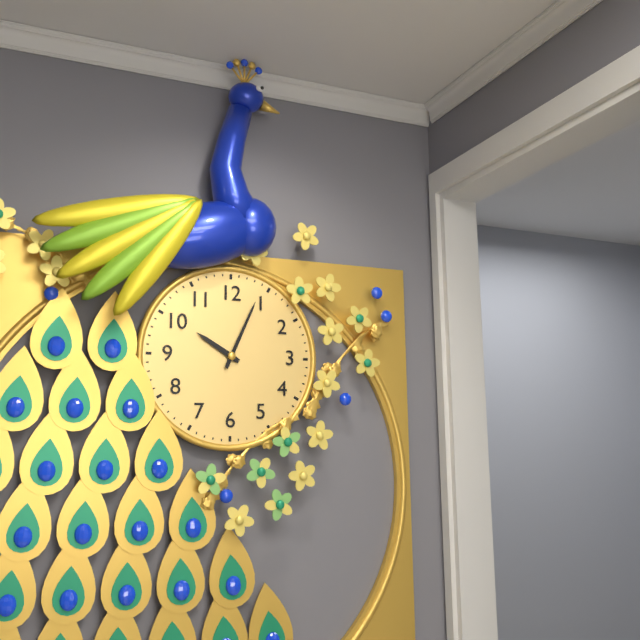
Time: {"hour": 10, "minute": 4}
